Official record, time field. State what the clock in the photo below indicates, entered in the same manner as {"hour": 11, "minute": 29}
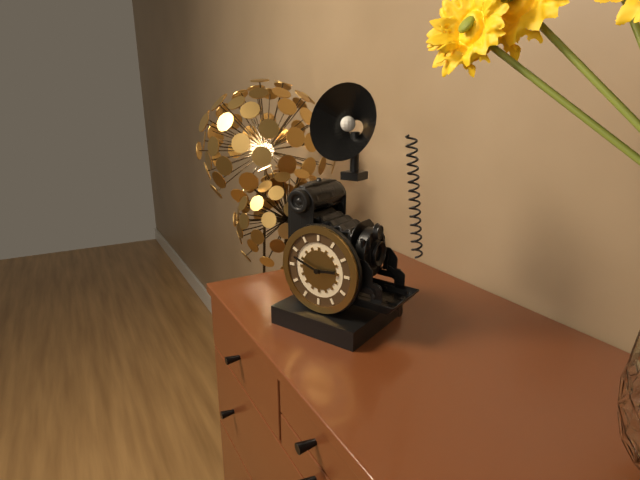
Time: {"hour": 2, "minute": 48}
